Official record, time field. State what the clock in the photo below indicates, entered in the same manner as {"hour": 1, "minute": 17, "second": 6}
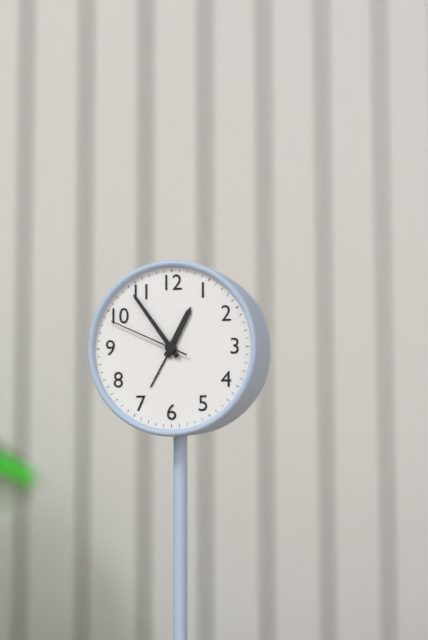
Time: {"hour": 12, "minute": 54, "second": 49}
